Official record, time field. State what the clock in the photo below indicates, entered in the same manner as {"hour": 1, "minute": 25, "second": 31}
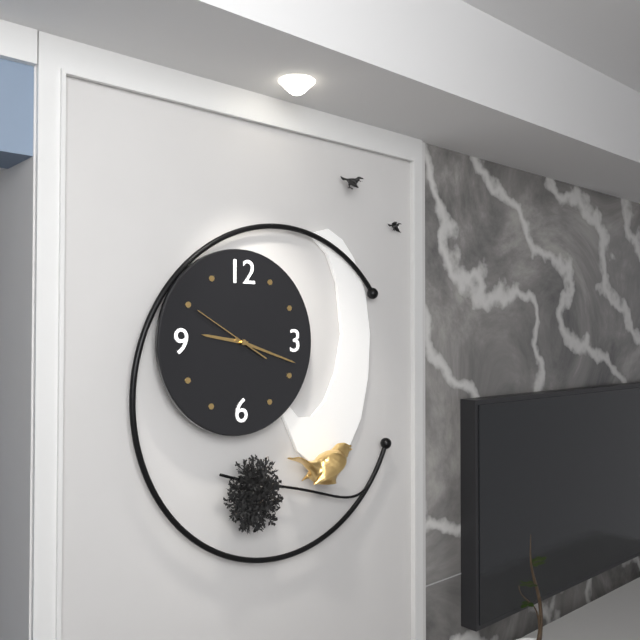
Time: {"hour": 9, "minute": 18, "second": 50}
